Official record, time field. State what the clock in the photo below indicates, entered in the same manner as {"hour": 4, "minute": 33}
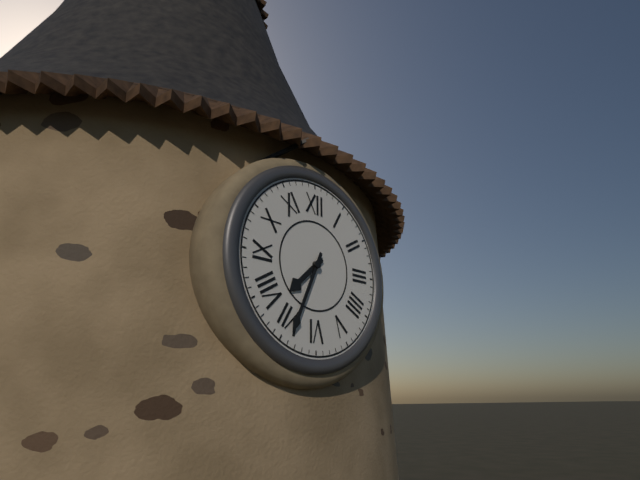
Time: {"hour": 7, "minute": 34}
